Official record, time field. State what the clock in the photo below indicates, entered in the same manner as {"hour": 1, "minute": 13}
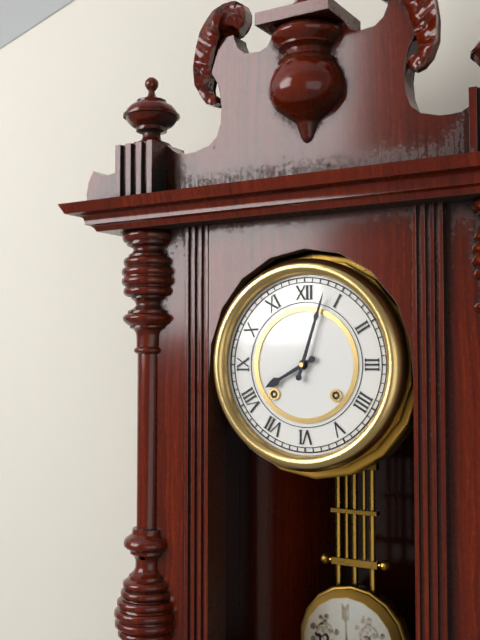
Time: {"hour": 8, "minute": 3}
